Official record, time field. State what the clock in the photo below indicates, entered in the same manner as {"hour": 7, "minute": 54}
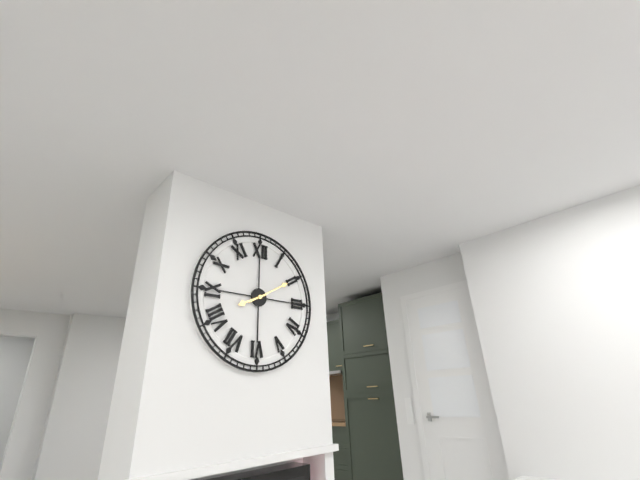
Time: {"hour": 8, "minute": 10}
